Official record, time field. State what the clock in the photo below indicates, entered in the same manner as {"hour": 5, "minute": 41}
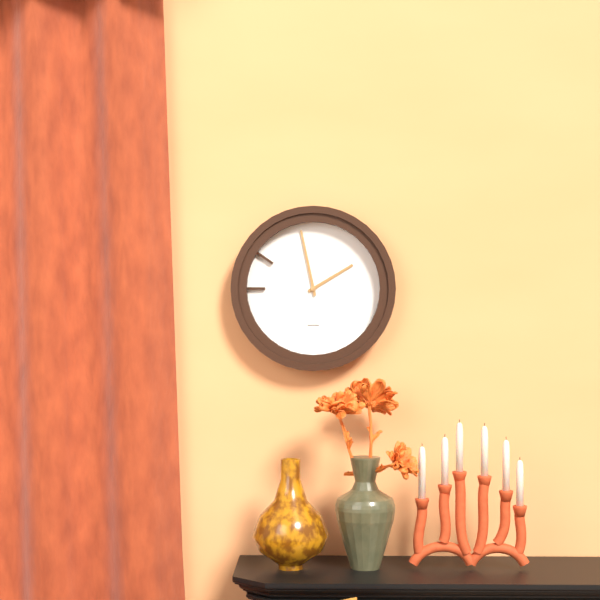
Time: {"hour": 1, "minute": 58}
